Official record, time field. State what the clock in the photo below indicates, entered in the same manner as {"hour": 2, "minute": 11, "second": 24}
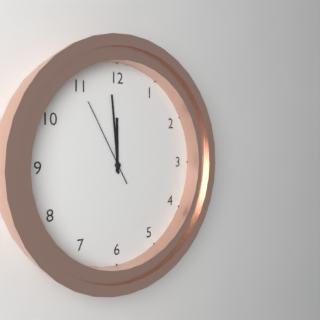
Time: {"hour": 11, "minute": 59, "second": 55}
